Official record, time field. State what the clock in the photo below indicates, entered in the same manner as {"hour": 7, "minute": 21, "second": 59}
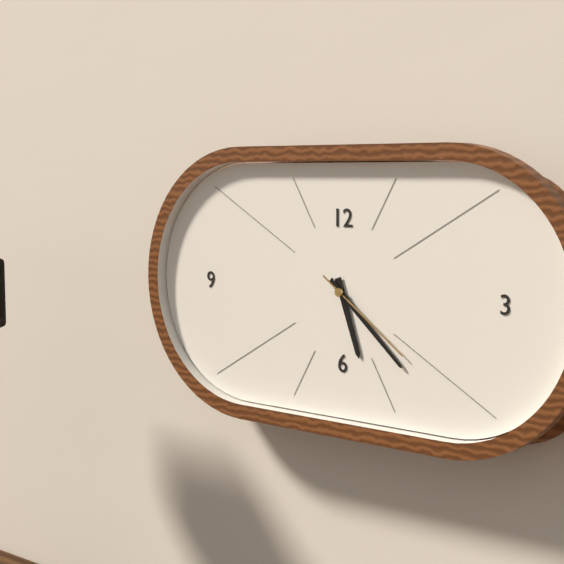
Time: {"hour": 5, "minute": 22, "second": 21}
